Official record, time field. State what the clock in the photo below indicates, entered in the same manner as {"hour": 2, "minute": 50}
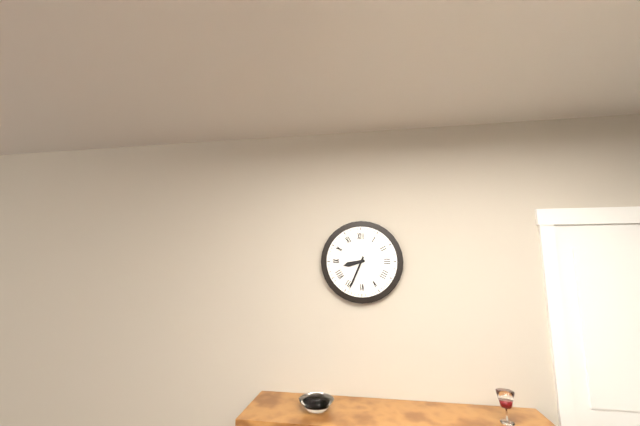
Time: {"hour": 8, "minute": 34}
